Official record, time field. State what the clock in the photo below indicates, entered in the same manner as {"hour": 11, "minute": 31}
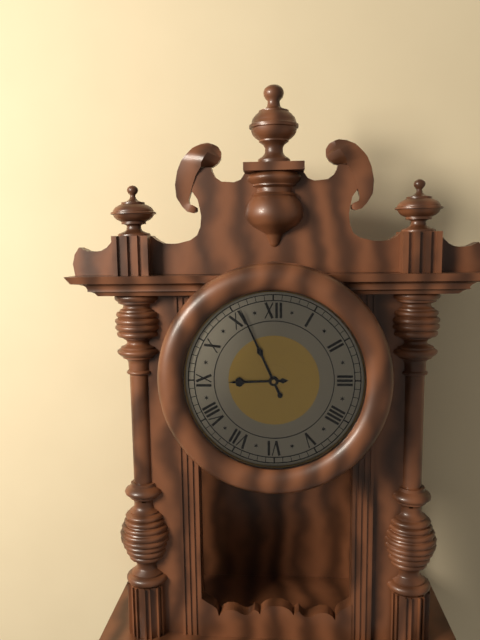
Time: {"hour": 8, "minute": 56}
